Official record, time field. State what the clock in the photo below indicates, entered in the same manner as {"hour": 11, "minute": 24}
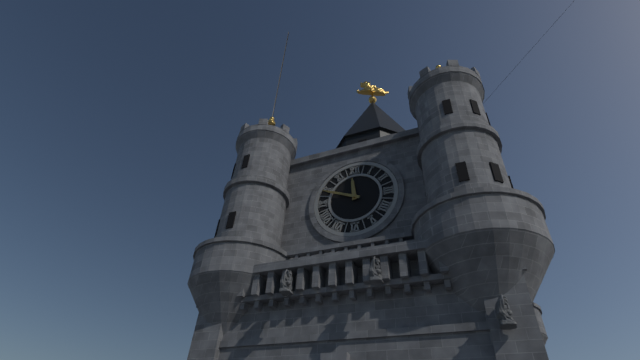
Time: {"hour": 11, "minute": 49}
